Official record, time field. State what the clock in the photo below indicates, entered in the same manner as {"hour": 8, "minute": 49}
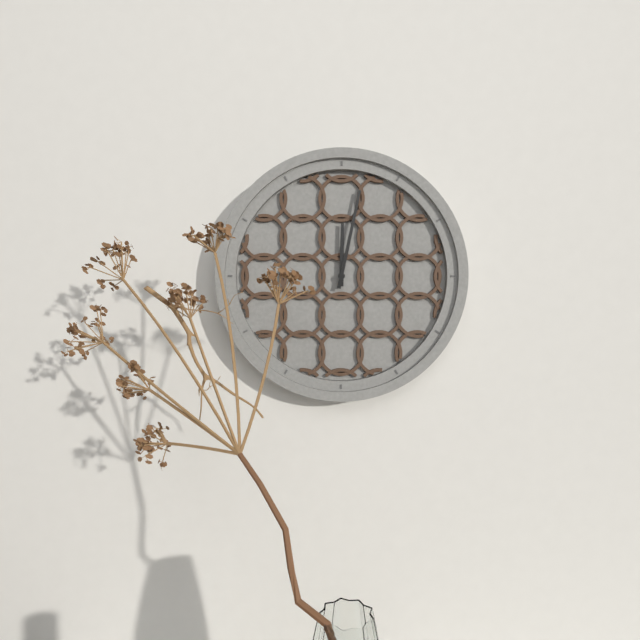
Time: {"hour": 12, "minute": 2}
